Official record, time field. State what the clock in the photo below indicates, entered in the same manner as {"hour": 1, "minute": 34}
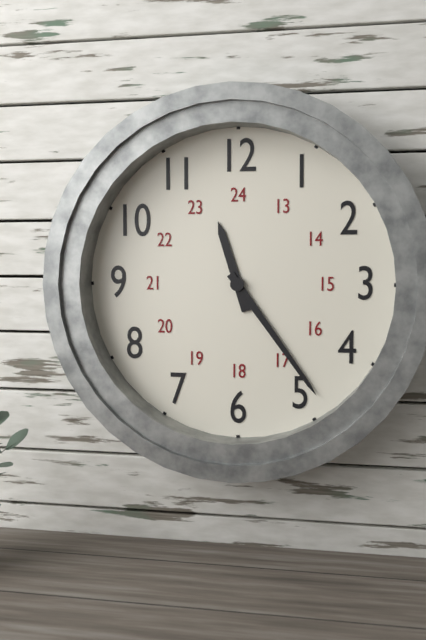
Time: {"hour": 11, "minute": 24}
